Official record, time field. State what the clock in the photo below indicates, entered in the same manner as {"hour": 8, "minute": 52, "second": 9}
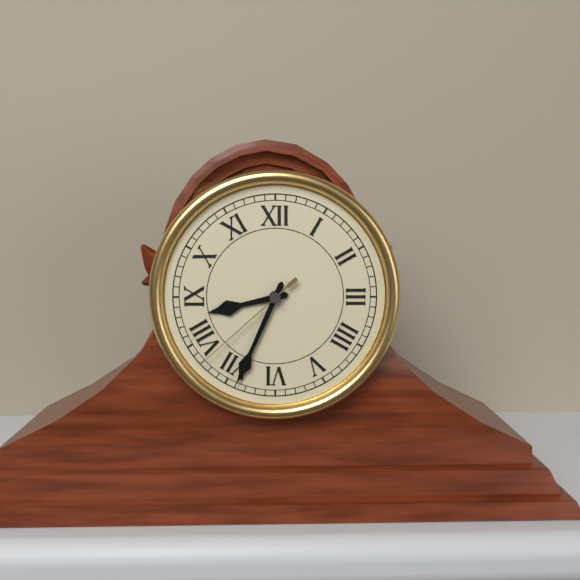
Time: {"hour": 8, "minute": 34, "second": 38}
